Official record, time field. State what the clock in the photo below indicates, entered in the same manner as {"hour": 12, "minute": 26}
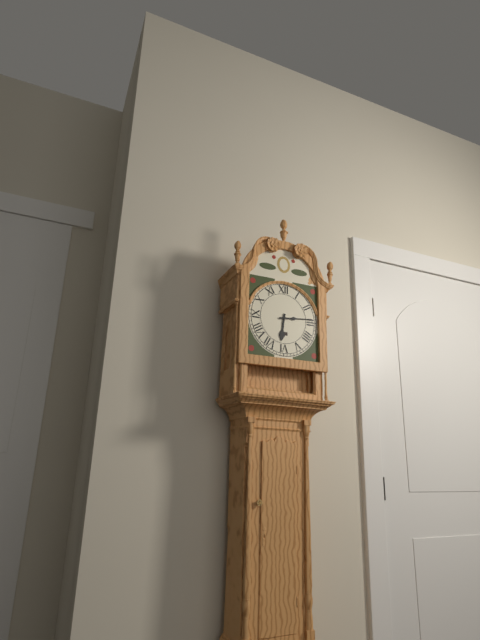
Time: {"hour": 6, "minute": 14}
